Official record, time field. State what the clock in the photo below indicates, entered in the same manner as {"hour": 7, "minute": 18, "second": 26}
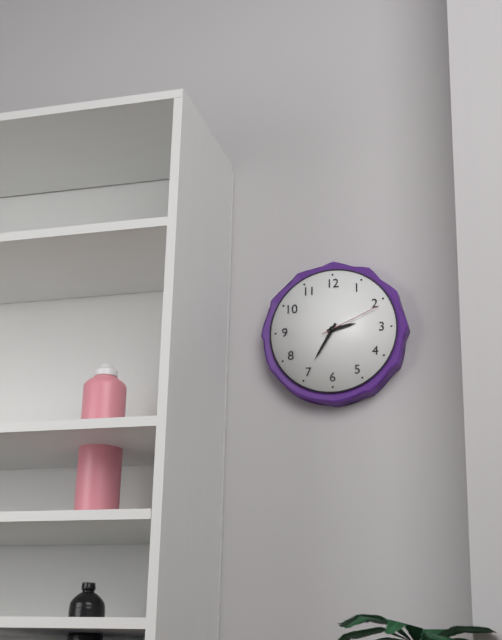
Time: {"hour": 2, "minute": 35, "second": 11}
